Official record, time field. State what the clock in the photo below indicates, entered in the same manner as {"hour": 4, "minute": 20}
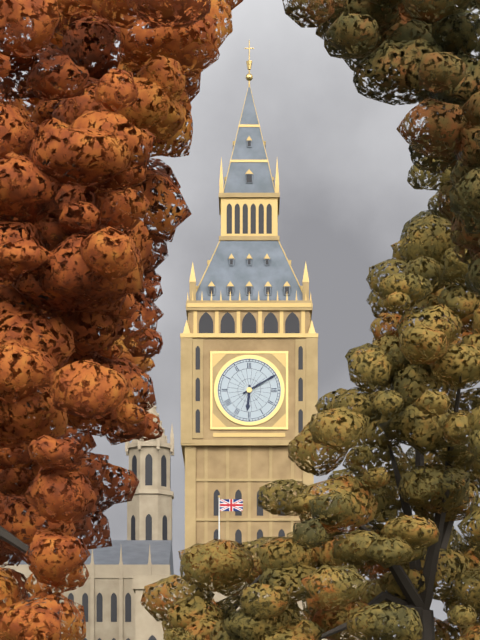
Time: {"hour": 6, "minute": 10}
